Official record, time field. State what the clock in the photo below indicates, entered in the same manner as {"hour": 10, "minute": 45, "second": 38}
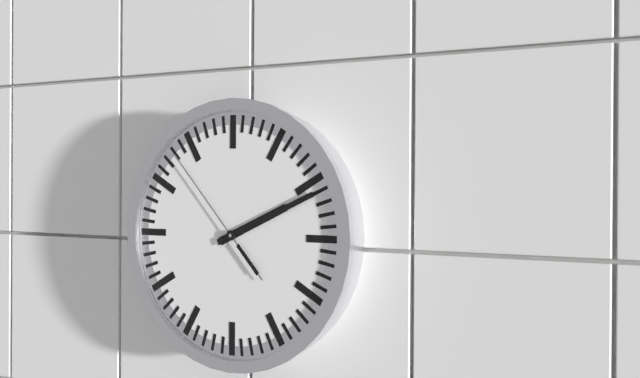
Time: {"hour": 2, "minute": 11, "second": 53}
